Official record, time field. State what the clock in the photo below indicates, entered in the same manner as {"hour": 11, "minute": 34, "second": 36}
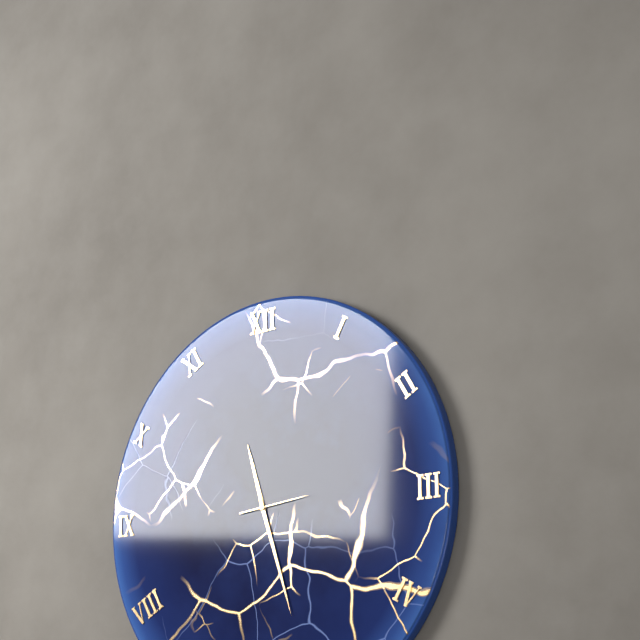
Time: {"hour": 11, "minute": 27, "second": 14}
